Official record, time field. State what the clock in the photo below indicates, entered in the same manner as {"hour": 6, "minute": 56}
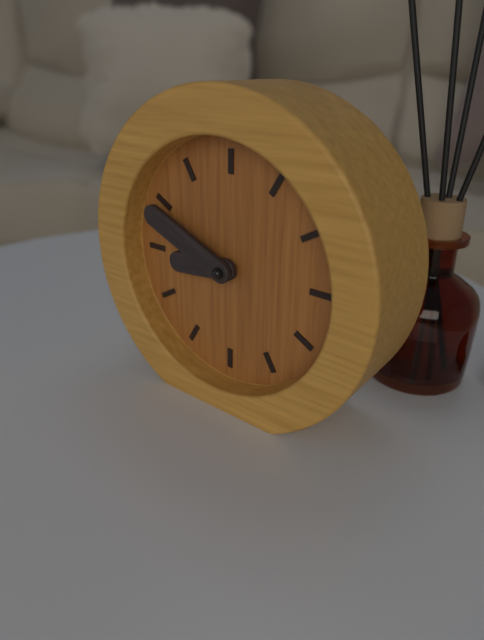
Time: {"hour": 8, "minute": 49}
